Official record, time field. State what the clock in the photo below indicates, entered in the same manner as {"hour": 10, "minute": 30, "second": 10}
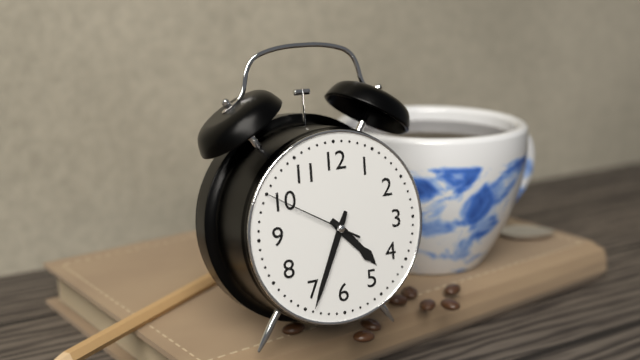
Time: {"hour": 4, "minute": 34, "second": 50}
